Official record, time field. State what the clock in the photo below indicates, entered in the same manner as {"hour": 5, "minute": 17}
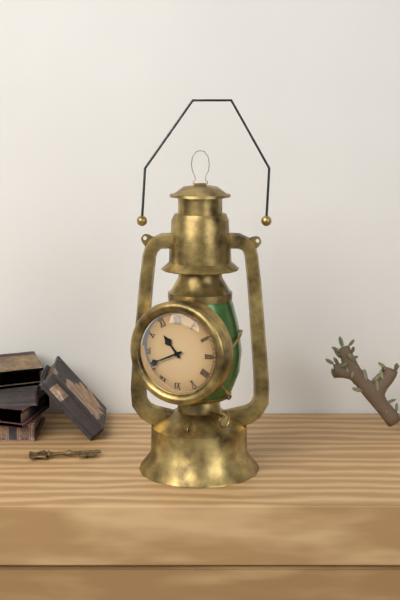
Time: {"hour": 10, "minute": 41}
